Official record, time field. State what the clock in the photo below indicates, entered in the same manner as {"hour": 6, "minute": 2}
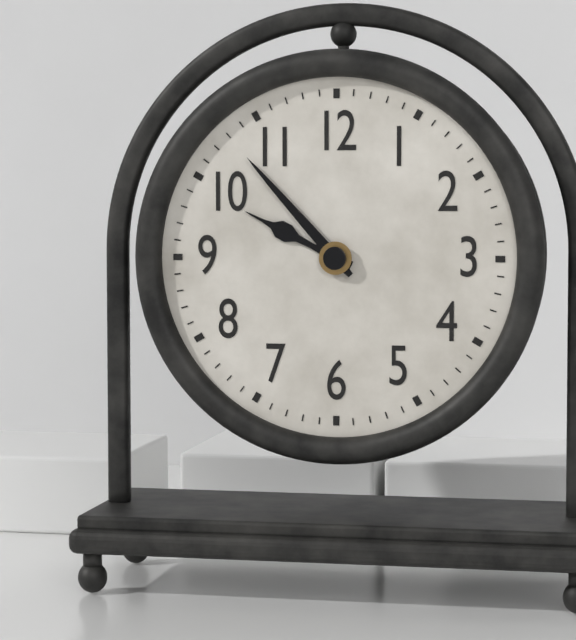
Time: {"hour": 9, "minute": 53}
